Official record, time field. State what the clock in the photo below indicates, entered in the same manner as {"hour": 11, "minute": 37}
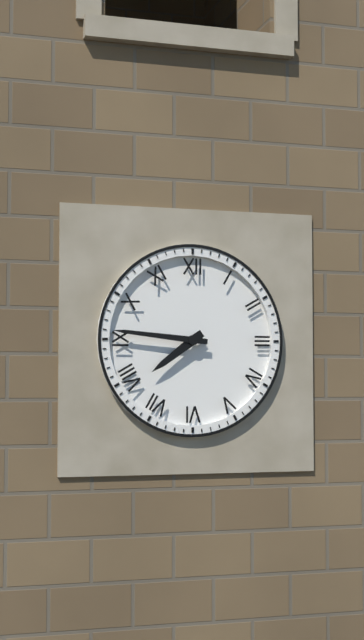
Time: {"hour": 7, "minute": 46}
